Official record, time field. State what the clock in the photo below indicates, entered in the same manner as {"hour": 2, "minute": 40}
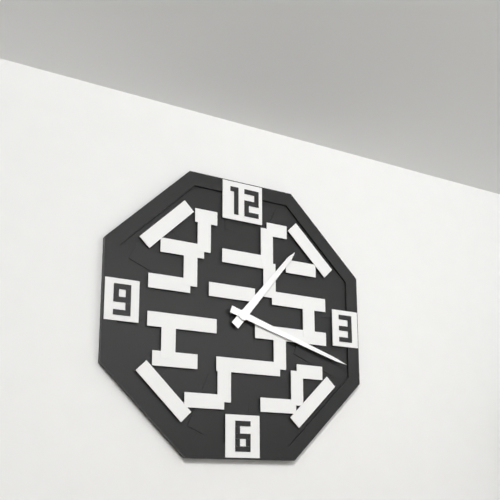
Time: {"hour": 1, "minute": 18}
